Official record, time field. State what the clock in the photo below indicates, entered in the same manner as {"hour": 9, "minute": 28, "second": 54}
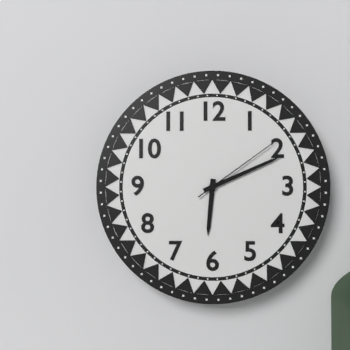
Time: {"hour": 6, "minute": 11, "second": 9}
